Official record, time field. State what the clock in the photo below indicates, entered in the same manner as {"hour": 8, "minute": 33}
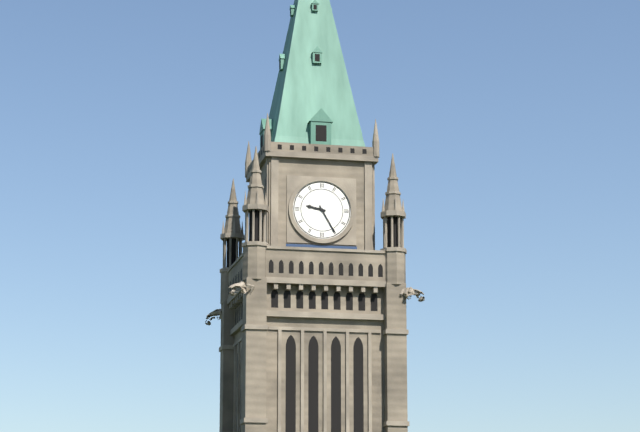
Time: {"hour": 9, "minute": 25}
